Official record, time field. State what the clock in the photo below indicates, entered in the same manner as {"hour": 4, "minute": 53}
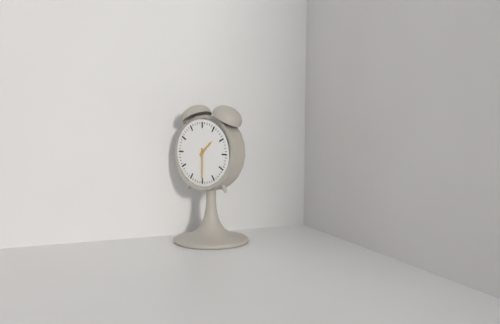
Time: {"hour": 1, "minute": 30}
